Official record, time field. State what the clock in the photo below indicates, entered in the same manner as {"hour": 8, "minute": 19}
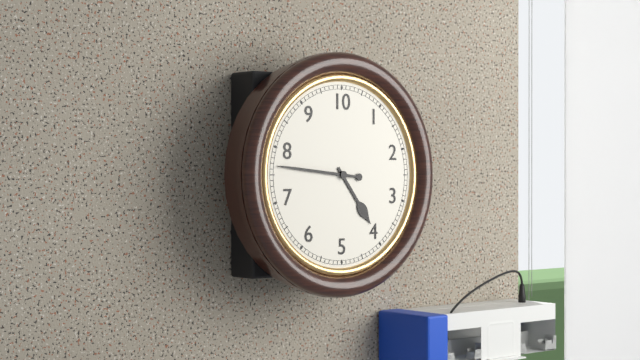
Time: {"hour": 4, "minute": 46}
